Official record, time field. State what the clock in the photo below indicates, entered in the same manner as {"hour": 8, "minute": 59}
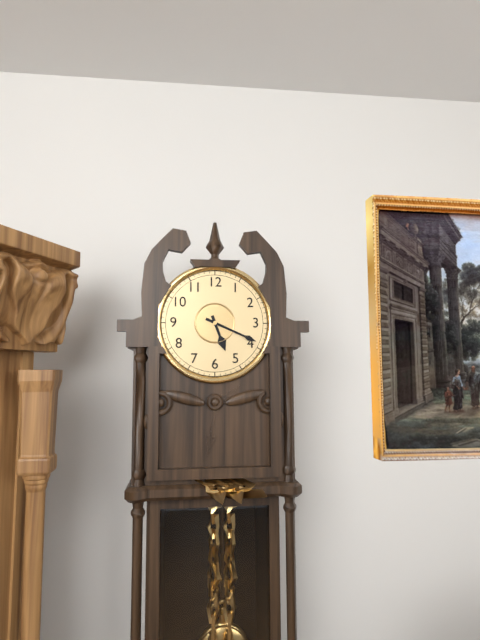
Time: {"hour": 5, "minute": 19}
